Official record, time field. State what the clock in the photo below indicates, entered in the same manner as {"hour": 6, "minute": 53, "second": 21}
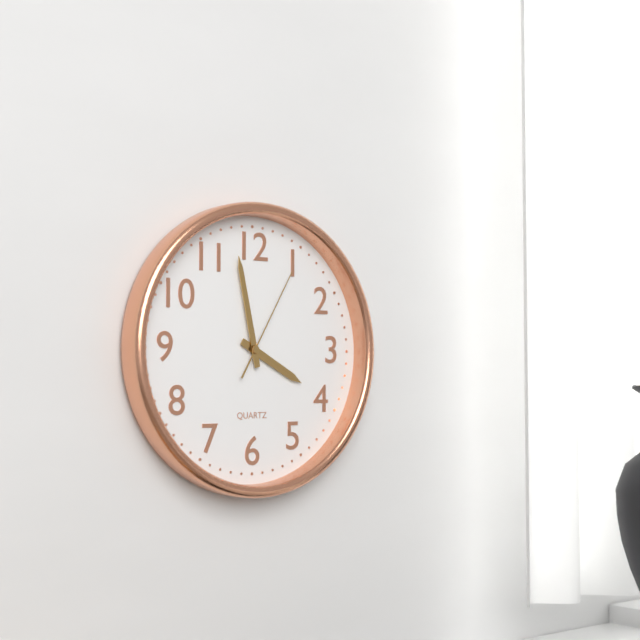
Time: {"hour": 3, "minute": 58, "second": 5}
